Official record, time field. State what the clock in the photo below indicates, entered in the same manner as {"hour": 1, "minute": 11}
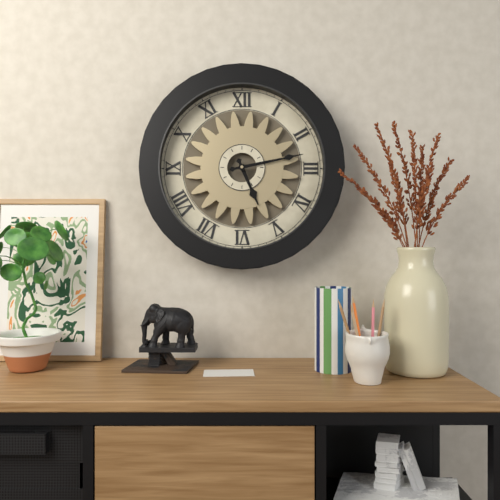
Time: {"hour": 5, "minute": 13}
